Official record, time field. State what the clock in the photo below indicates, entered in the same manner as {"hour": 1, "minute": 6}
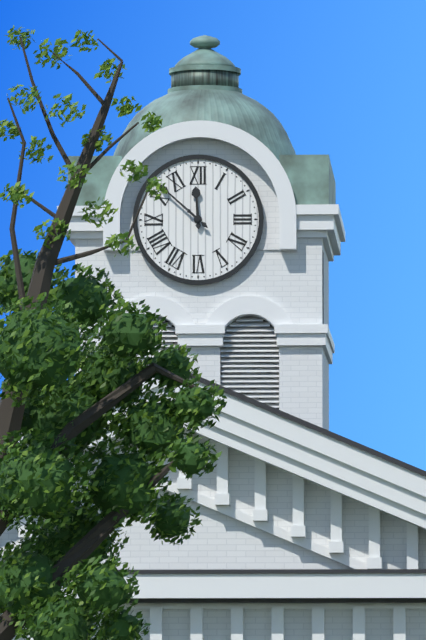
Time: {"hour": 11, "minute": 52}
